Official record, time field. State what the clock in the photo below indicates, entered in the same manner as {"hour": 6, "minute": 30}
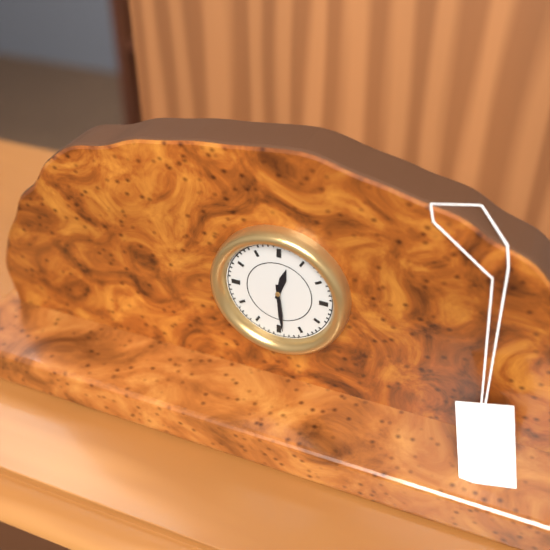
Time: {"hour": 12, "minute": 29}
